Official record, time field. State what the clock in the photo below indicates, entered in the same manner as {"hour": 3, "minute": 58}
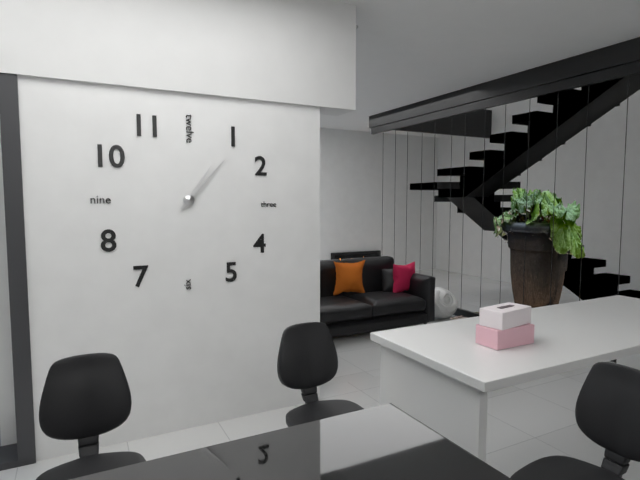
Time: {"hour": 1, "minute": 7}
